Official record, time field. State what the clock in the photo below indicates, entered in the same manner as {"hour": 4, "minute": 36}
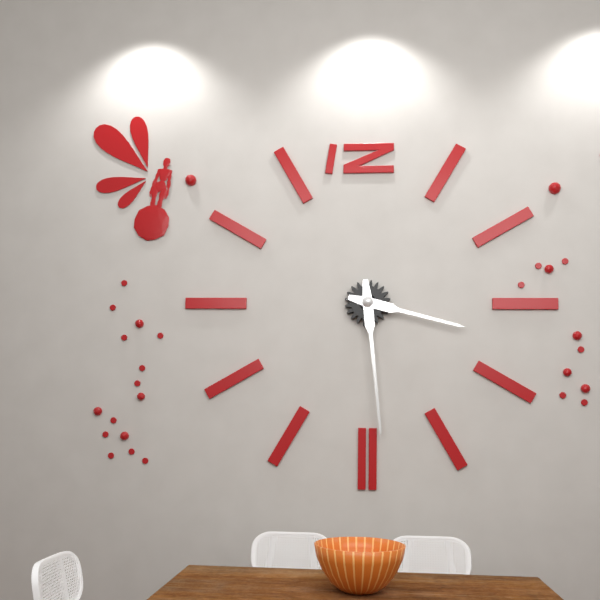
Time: {"hour": 3, "minute": 29}
